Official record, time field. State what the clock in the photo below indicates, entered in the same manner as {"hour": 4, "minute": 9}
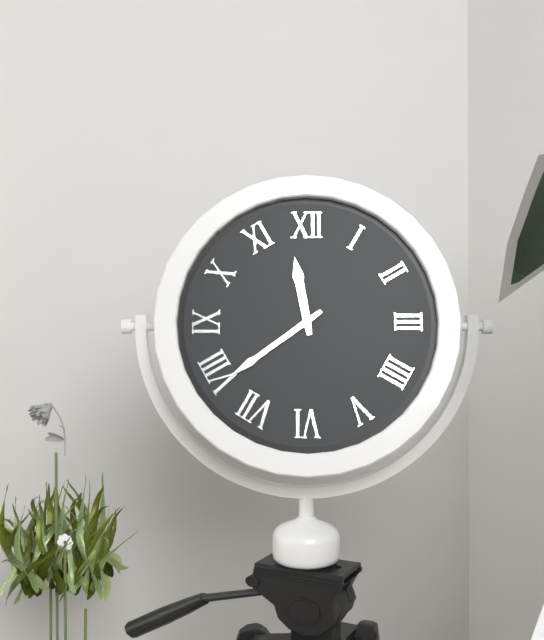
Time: {"hour": 11, "minute": 39}
